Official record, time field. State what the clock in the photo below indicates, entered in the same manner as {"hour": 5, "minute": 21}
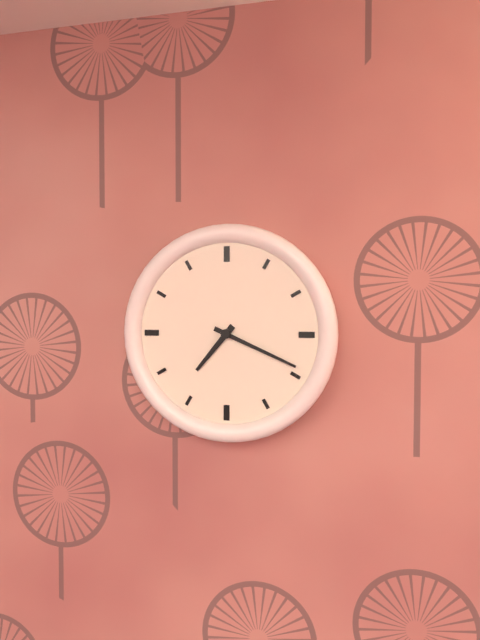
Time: {"hour": 7, "minute": 19}
